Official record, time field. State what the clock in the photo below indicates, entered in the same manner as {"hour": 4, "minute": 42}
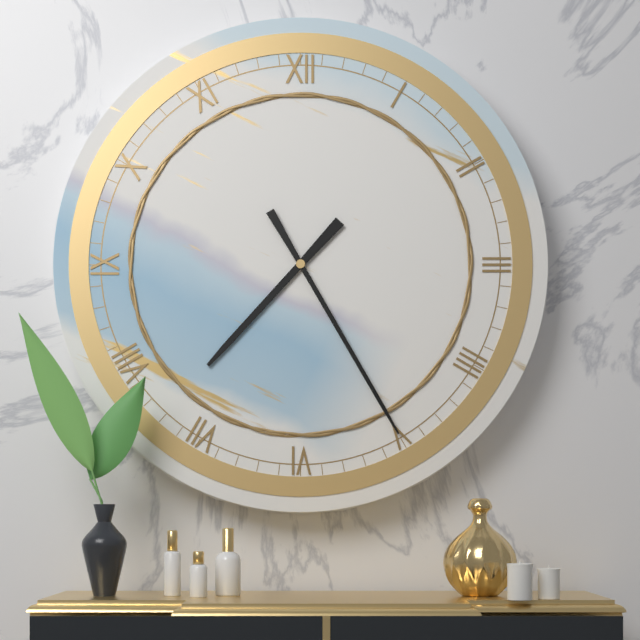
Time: {"hour": 7, "minute": 25}
